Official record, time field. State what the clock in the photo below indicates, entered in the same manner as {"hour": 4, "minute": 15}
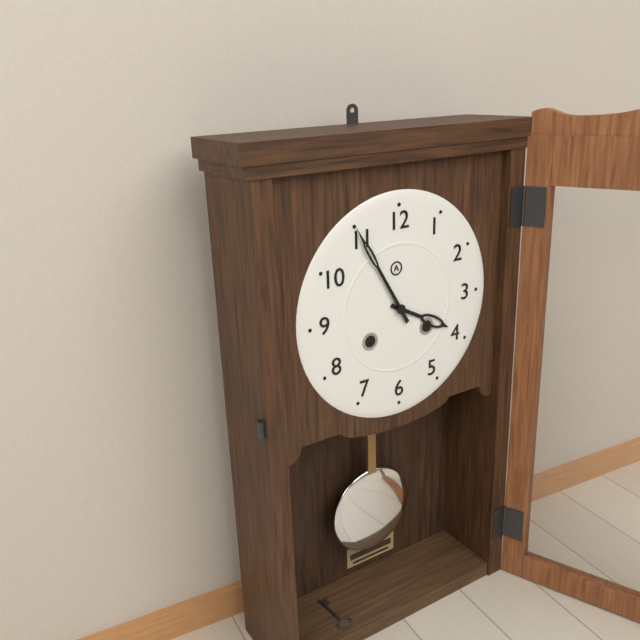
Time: {"hour": 3, "minute": 55}
